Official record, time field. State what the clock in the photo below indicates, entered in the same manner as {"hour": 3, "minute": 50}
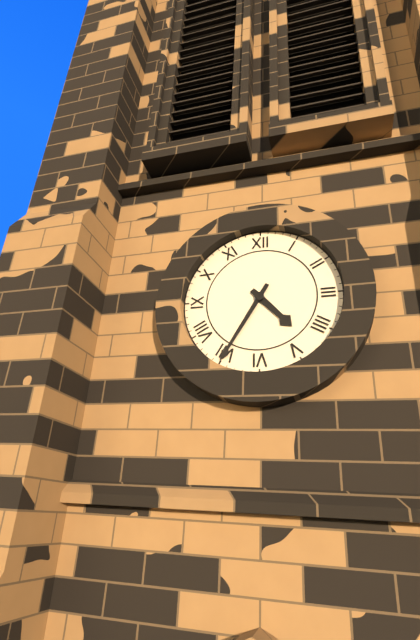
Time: {"hour": 4, "minute": 35}
